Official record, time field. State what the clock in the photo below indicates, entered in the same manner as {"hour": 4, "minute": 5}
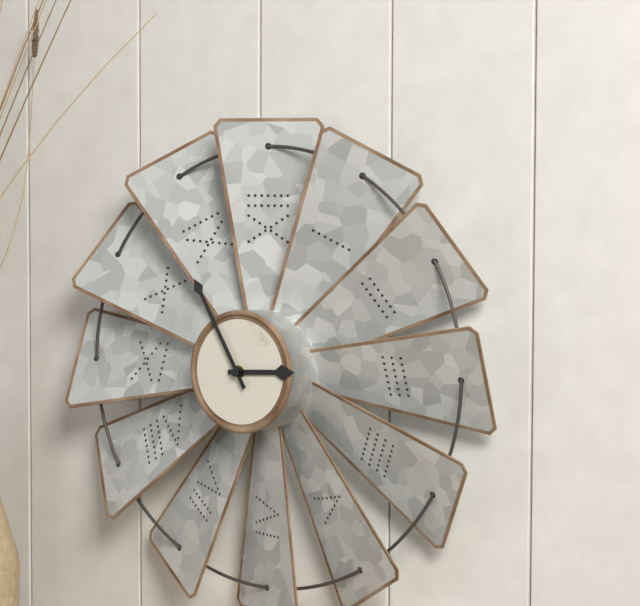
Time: {"hour": 2, "minute": 55}
